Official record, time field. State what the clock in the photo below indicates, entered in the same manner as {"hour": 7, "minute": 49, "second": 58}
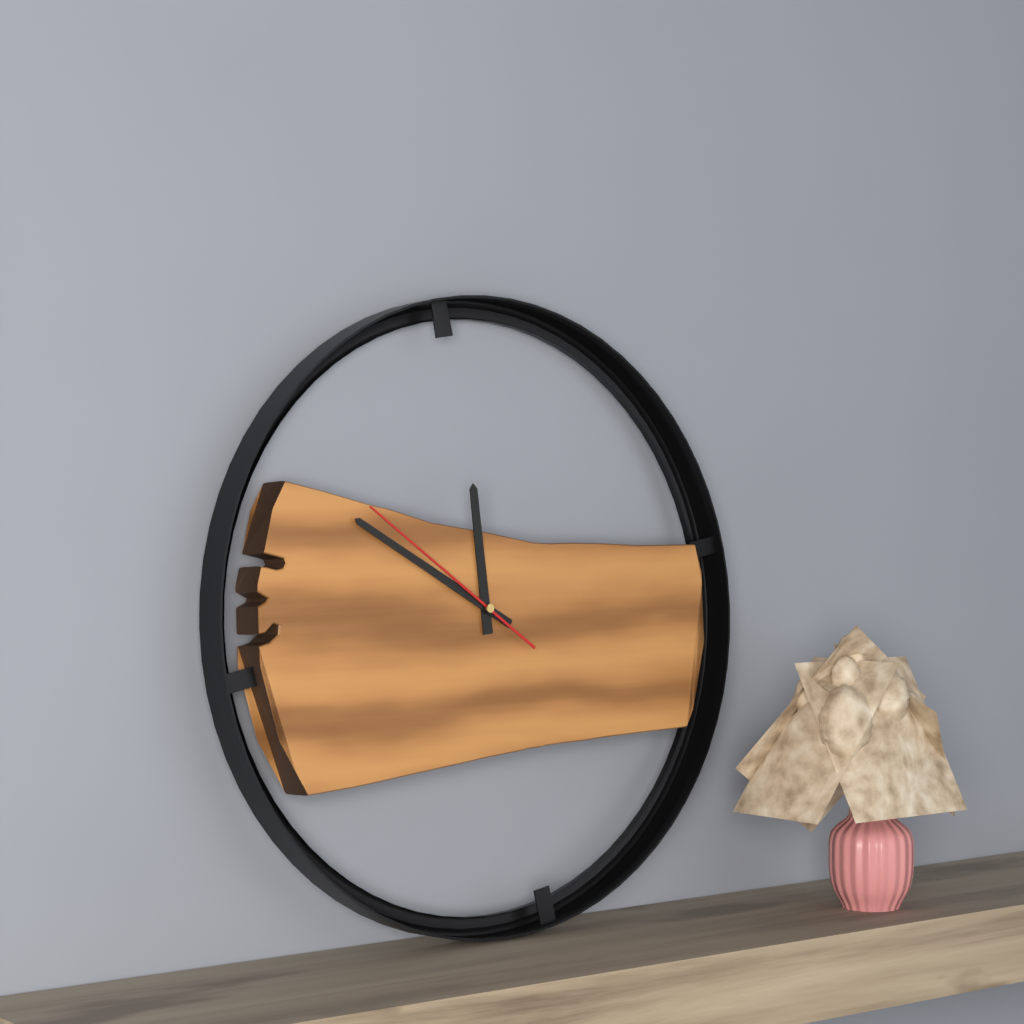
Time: {"hour": 11, "minute": 50, "second": 51}
